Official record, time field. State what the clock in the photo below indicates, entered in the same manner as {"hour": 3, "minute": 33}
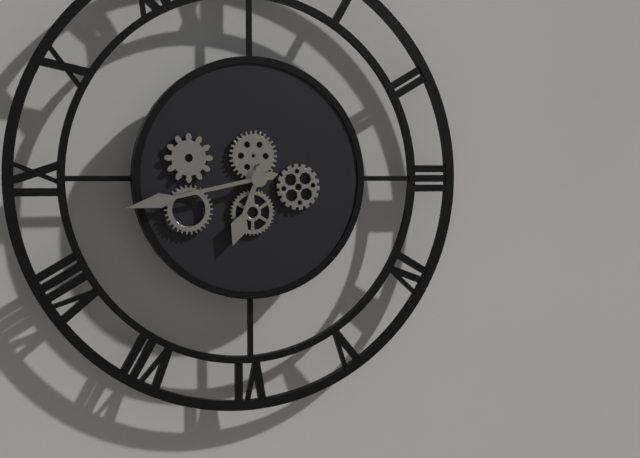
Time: {"hour": 6, "minute": 43}
